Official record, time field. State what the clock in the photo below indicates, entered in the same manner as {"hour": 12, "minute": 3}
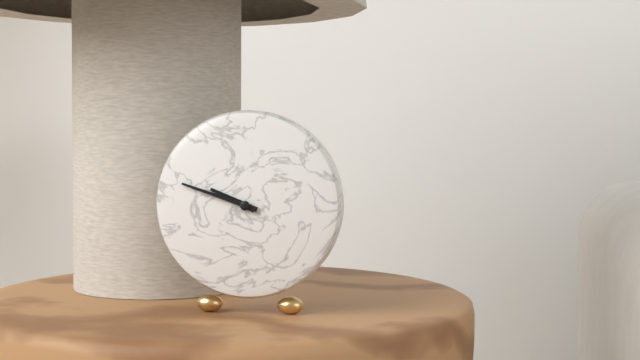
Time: {"hour": 9, "minute": 48}
